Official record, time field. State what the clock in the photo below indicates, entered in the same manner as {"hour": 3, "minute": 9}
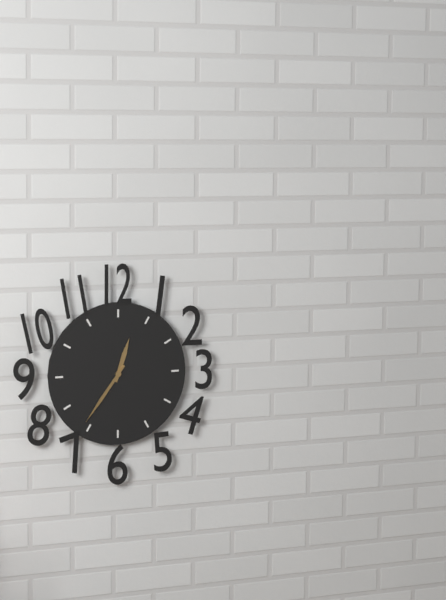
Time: {"hour": 12, "minute": 36}
